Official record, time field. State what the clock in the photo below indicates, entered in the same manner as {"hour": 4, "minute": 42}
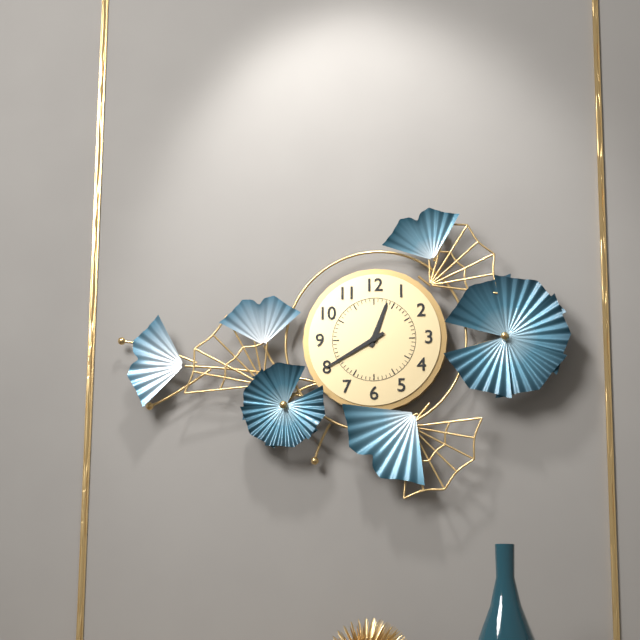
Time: {"hour": 12, "minute": 40}
